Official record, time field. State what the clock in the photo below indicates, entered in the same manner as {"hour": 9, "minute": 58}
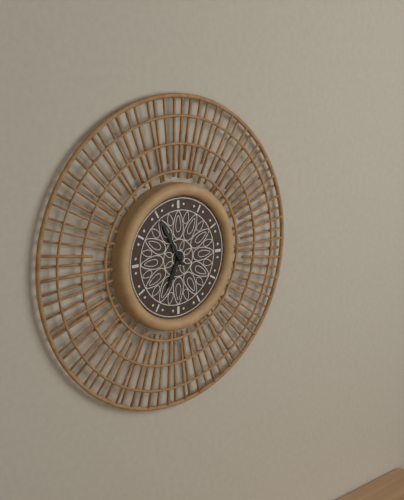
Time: {"hour": 6, "minute": 55}
